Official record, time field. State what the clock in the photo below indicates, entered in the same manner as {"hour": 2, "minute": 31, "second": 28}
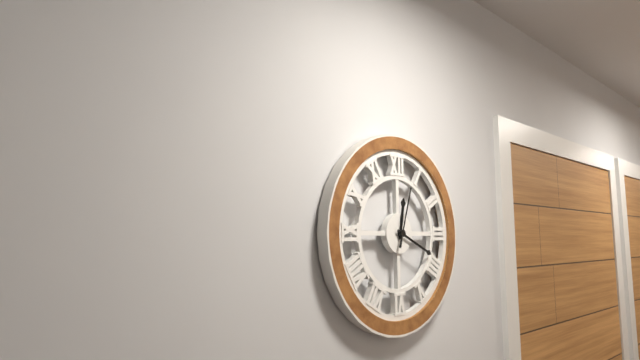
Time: {"hour": 12, "minute": 19, "second": 3}
